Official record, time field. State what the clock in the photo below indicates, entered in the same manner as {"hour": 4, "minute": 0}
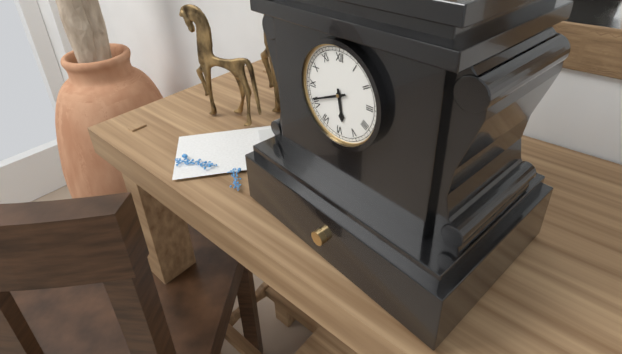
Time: {"hour": 5, "minute": 41}
